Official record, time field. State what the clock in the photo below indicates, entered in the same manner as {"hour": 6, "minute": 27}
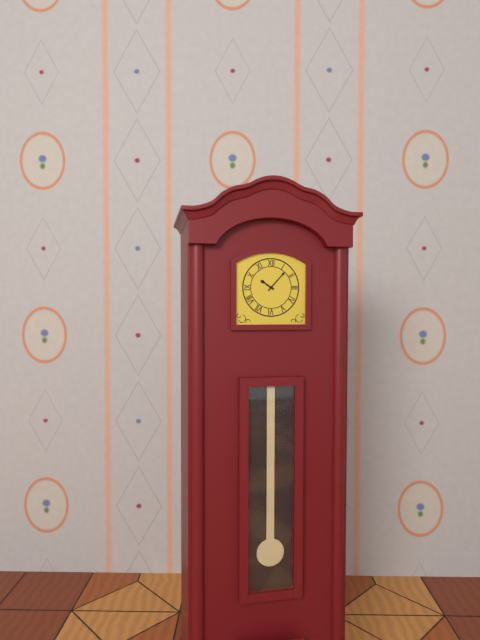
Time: {"hour": 10, "minute": 7}
